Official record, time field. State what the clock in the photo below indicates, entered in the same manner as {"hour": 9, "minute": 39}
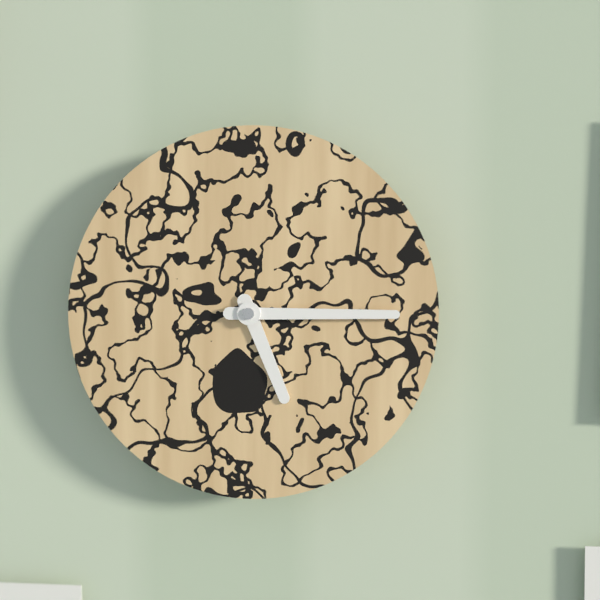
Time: {"hour": 5, "minute": 15}
